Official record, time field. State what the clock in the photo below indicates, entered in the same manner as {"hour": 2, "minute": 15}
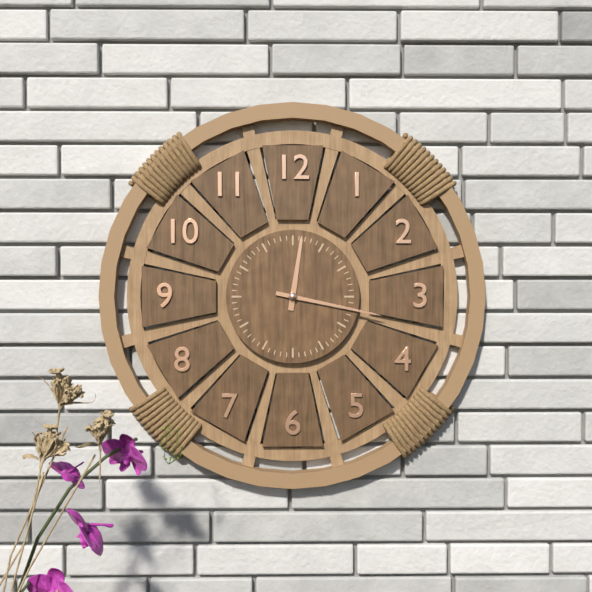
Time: {"hour": 12, "minute": 17}
